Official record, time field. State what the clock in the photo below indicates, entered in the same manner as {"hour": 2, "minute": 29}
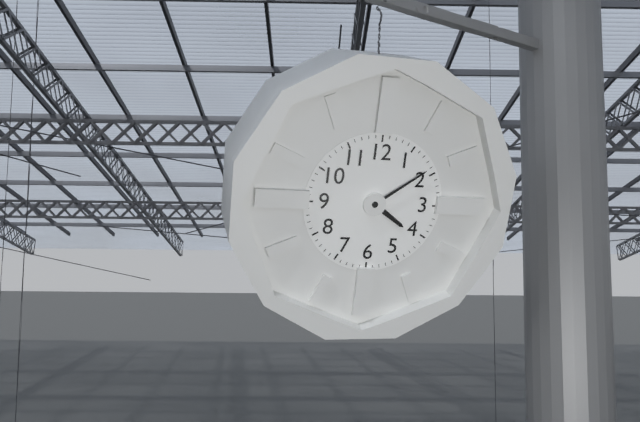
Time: {"hour": 4, "minute": 9}
